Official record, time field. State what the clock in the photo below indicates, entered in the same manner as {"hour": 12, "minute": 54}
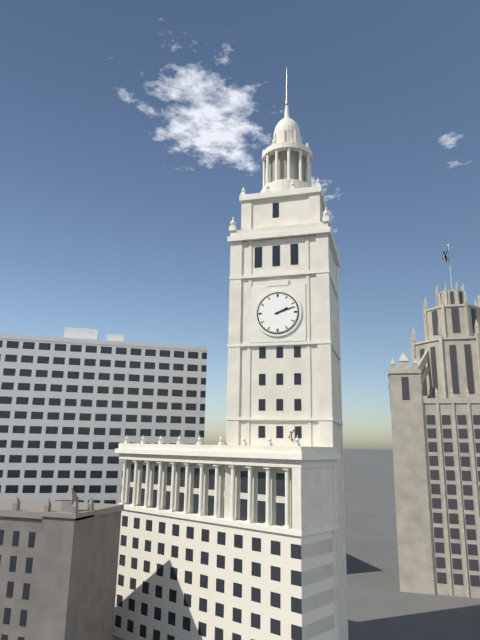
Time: {"hour": 2, "minute": 12}
